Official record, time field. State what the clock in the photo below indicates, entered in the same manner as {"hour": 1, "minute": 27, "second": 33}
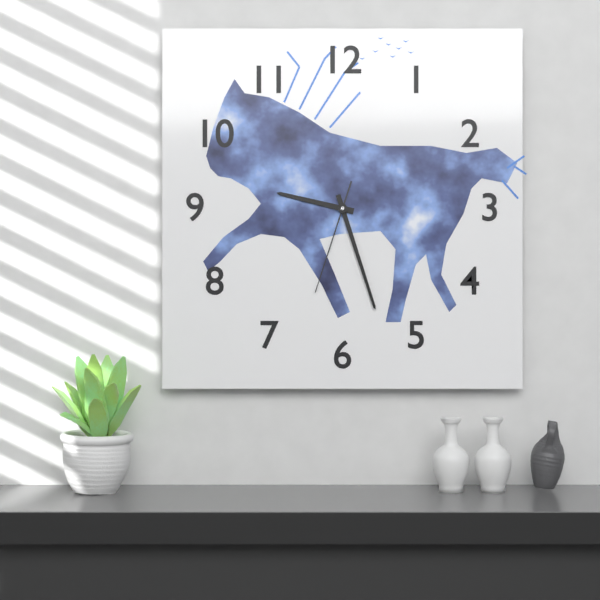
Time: {"hour": 9, "minute": 27, "second": 33}
